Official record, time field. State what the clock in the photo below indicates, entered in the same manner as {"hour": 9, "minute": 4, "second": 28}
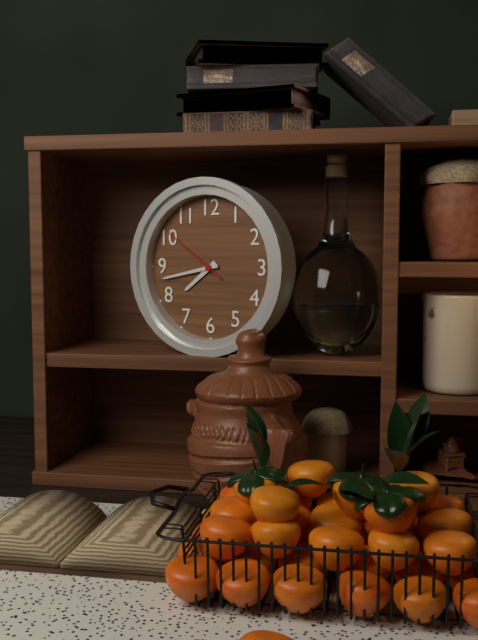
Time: {"hour": 7, "minute": 43, "second": 51}
